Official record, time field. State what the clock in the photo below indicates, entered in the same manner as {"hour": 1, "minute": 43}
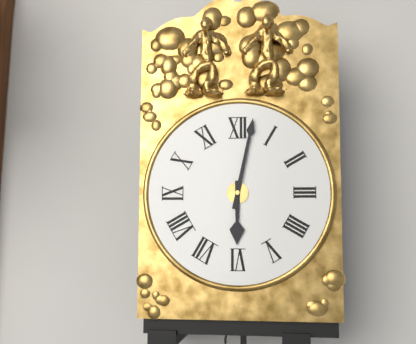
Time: {"hour": 6, "minute": 2}
